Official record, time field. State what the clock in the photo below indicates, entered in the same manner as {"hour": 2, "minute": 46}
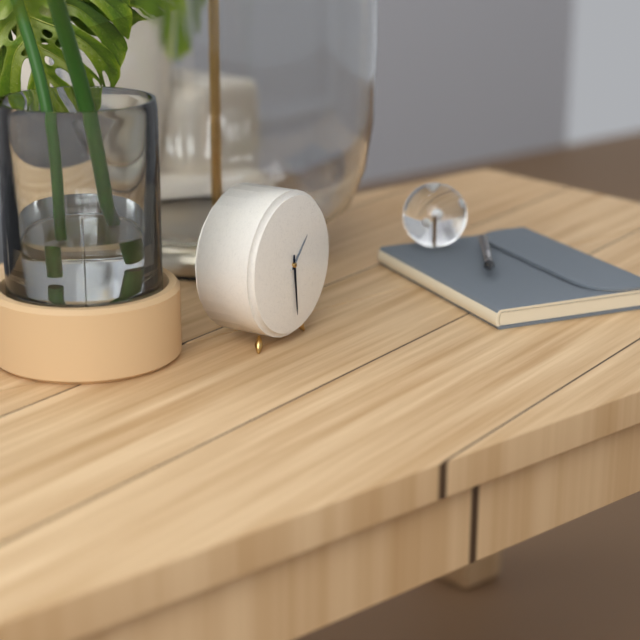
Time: {"hour": 1, "minute": 29}
